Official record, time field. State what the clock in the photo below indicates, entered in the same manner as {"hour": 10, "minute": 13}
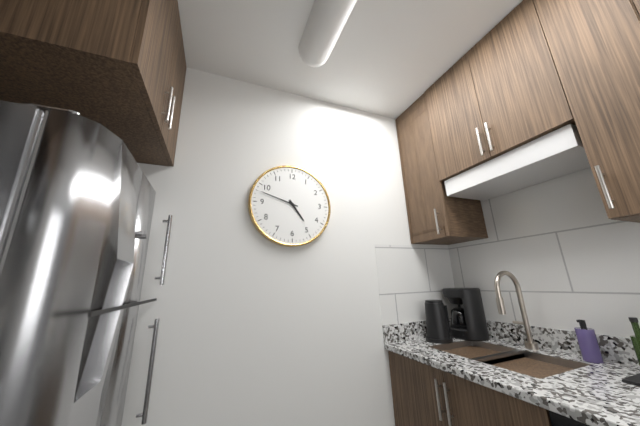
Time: {"hour": 4, "minute": 48}
